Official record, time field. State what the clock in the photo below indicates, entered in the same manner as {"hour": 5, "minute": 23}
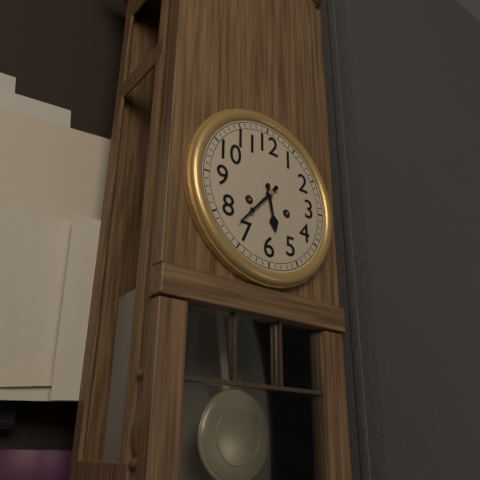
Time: {"hour": 5, "minute": 37}
